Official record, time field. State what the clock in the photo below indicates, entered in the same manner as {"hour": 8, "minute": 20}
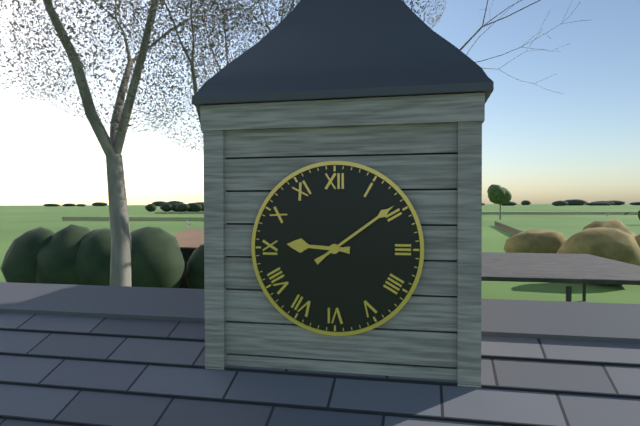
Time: {"hour": 9, "minute": 9}
